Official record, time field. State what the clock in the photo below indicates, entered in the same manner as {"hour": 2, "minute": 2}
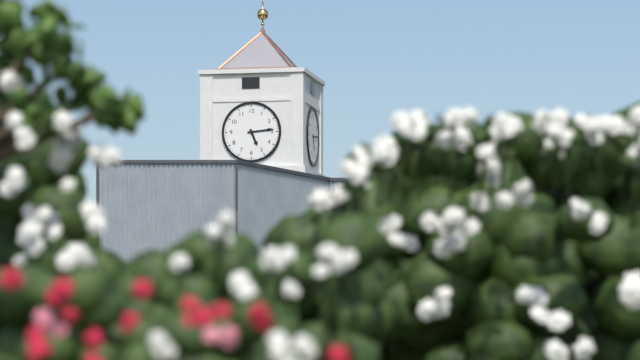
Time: {"hour": 5, "minute": 14}
